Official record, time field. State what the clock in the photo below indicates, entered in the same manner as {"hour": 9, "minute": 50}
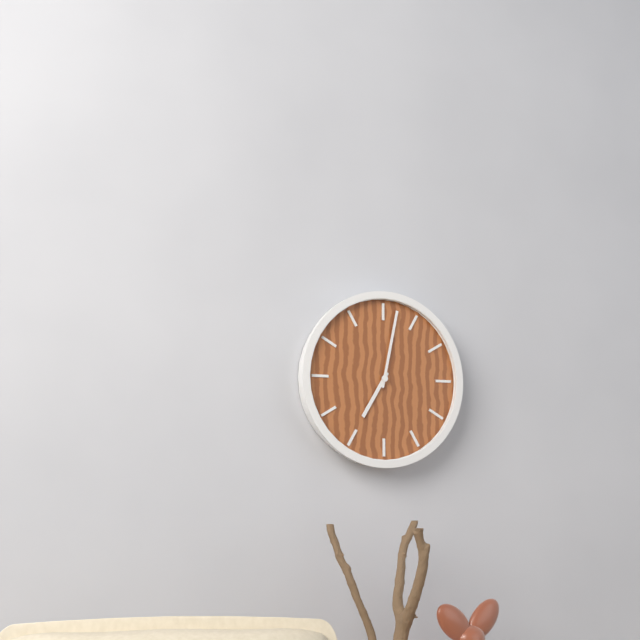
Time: {"hour": 7, "minute": 2}
